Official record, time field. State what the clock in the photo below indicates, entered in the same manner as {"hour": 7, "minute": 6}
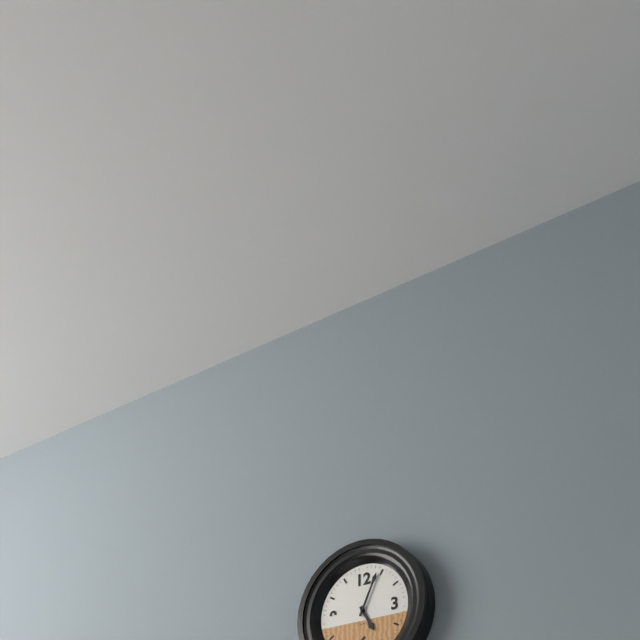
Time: {"hour": 5, "minute": 4}
